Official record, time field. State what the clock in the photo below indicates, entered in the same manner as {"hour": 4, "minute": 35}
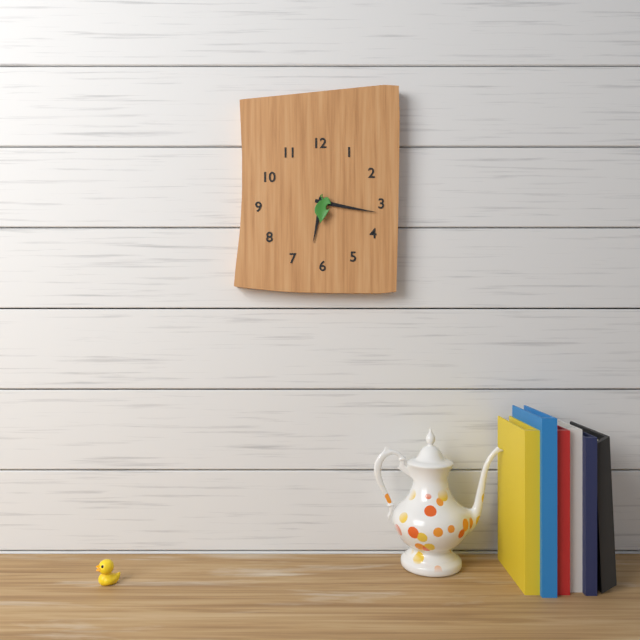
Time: {"hour": 6, "minute": 17}
